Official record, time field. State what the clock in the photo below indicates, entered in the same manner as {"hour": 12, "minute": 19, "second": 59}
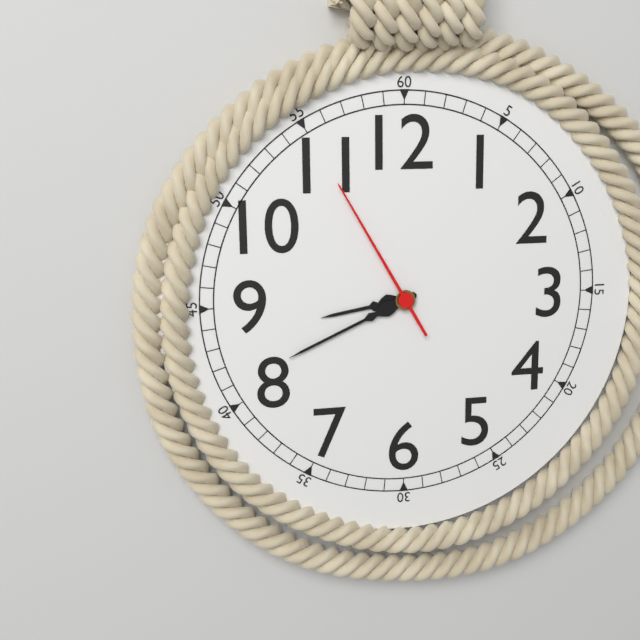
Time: {"hour": 8, "minute": 41, "second": 55}
